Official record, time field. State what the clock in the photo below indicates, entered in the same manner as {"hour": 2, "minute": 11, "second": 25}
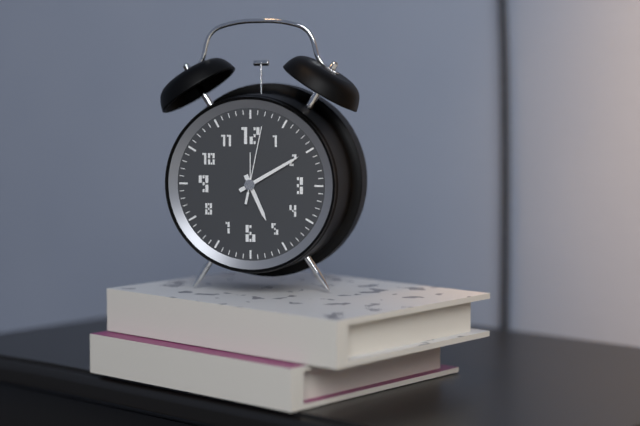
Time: {"hour": 5, "minute": 10, "second": 2}
